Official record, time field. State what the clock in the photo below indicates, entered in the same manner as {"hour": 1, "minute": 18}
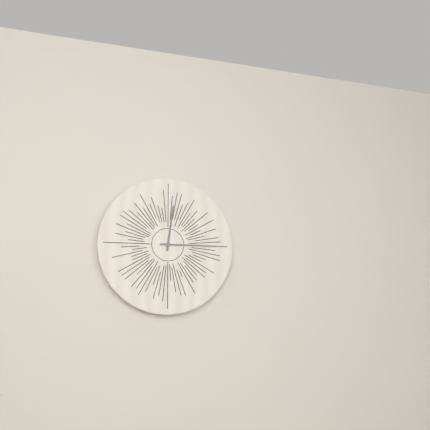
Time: {"hour": 12, "minute": 15}
